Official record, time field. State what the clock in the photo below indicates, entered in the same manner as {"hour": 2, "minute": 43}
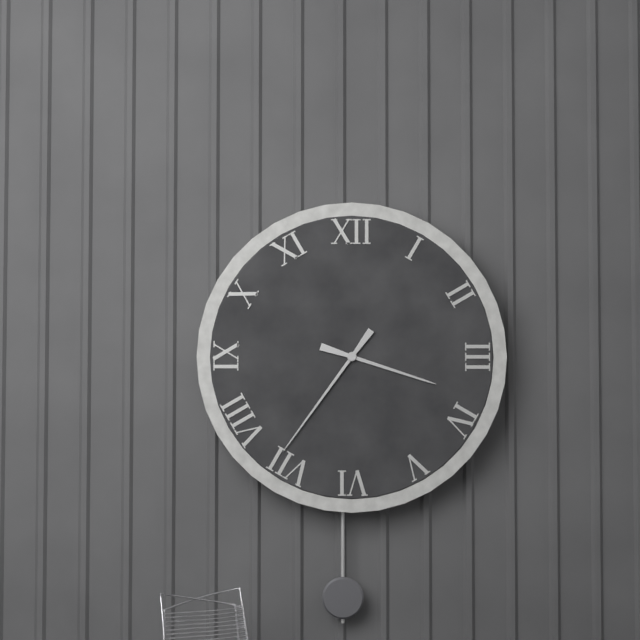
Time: {"hour": 3, "minute": 36}
